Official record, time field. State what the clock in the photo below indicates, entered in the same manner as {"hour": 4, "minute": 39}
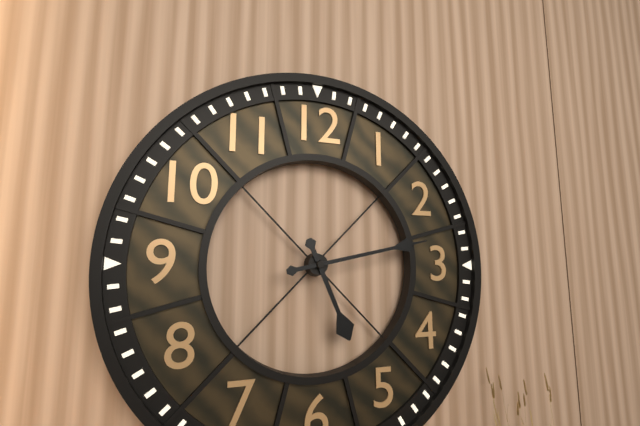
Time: {"hour": 5, "minute": 13}
